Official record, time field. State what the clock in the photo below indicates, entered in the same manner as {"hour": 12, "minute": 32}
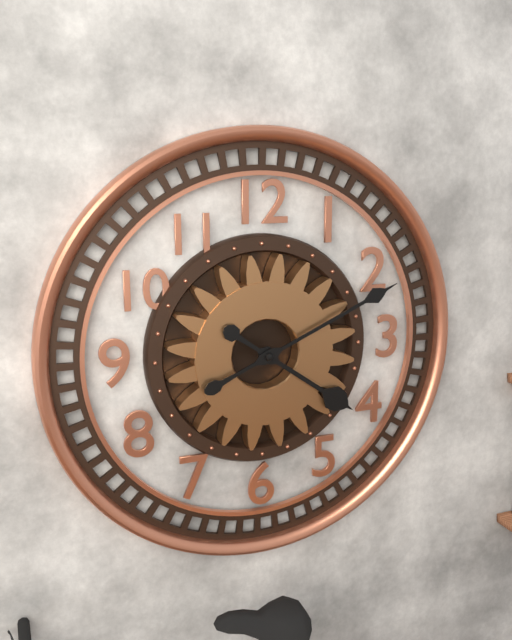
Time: {"hour": 4, "minute": 11}
